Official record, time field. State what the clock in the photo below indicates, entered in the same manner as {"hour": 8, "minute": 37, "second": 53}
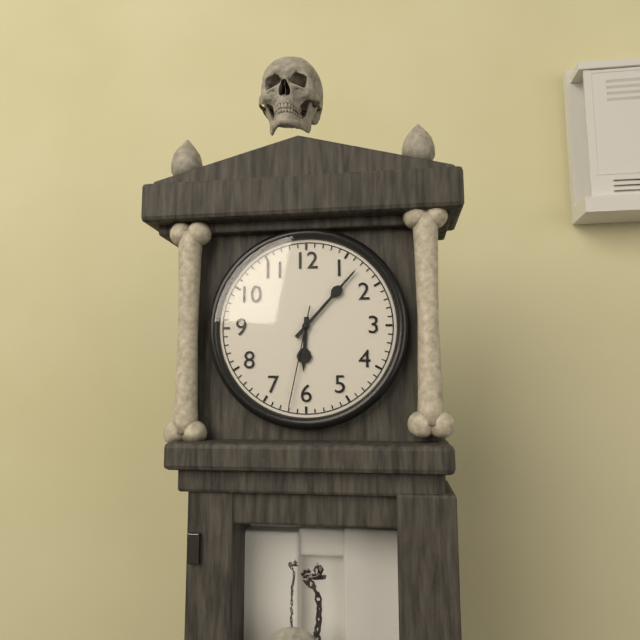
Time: {"hour": 6, "minute": 7, "second": 32}
